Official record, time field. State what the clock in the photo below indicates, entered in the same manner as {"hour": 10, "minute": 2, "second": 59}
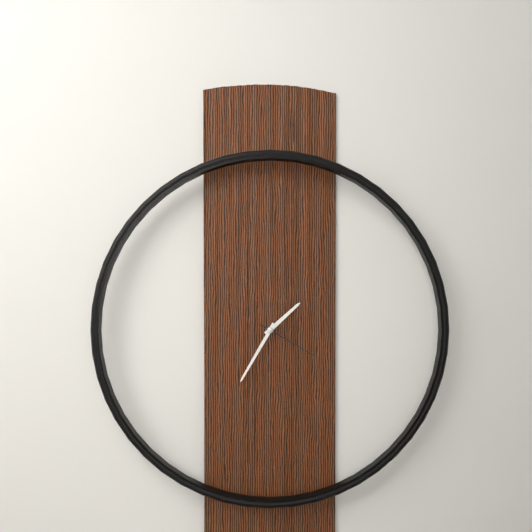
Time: {"hour": 1, "minute": 35, "second": 20}
